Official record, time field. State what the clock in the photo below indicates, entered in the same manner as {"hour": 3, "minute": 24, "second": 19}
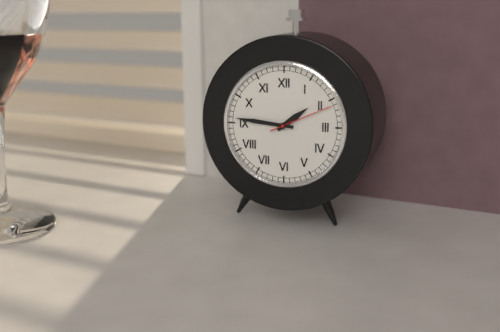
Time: {"hour": 1, "minute": 46, "second": 11}
